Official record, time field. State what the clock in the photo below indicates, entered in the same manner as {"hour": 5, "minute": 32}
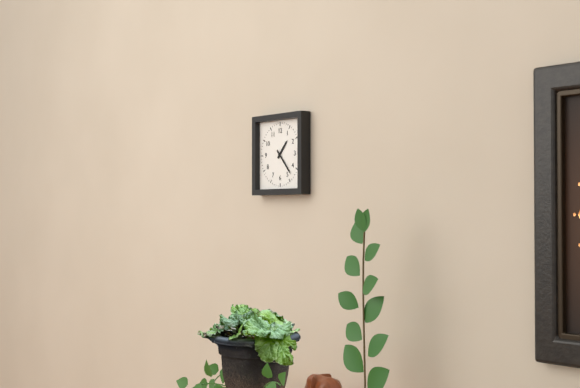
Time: {"hour": 1, "minute": 23}
